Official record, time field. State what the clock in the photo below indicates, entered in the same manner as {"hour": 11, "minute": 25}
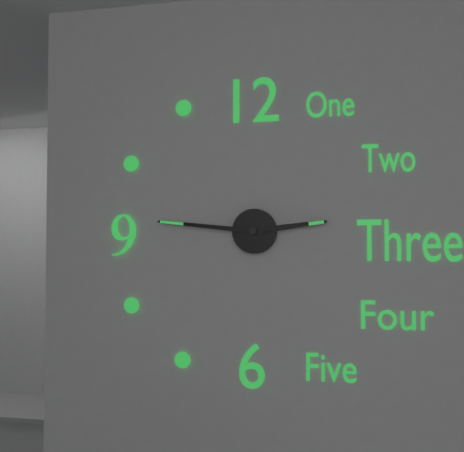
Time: {"hour": 2, "minute": 46}
